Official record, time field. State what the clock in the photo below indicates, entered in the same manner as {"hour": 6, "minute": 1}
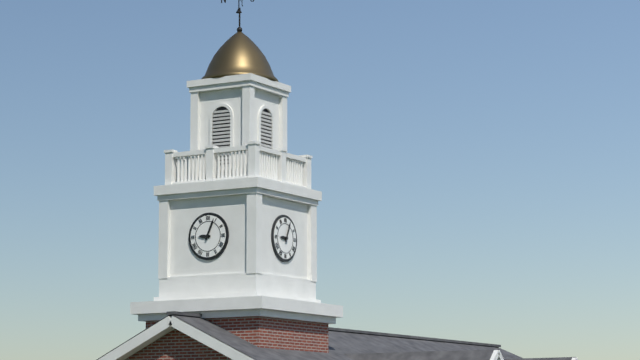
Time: {"hour": 9, "minute": 4}
